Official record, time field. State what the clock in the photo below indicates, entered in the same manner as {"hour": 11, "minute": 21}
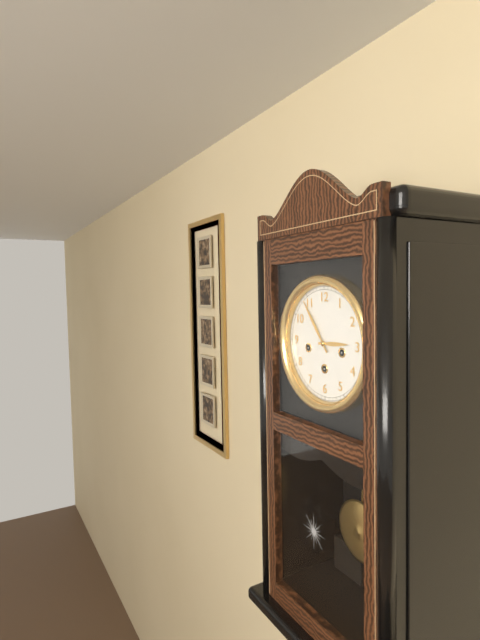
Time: {"hour": 2, "minute": 54}
